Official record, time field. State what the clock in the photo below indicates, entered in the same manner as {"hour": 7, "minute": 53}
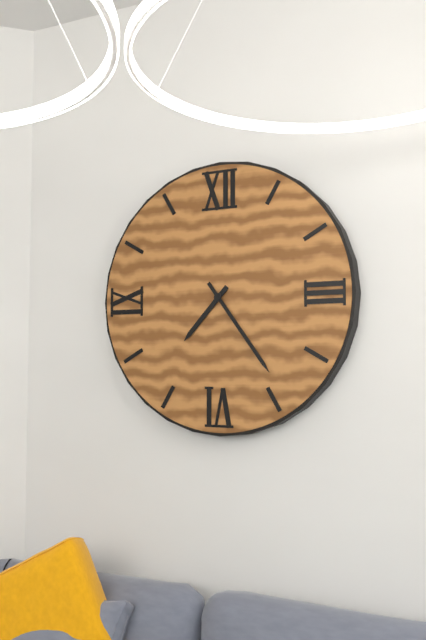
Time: {"hour": 7, "minute": 24}
